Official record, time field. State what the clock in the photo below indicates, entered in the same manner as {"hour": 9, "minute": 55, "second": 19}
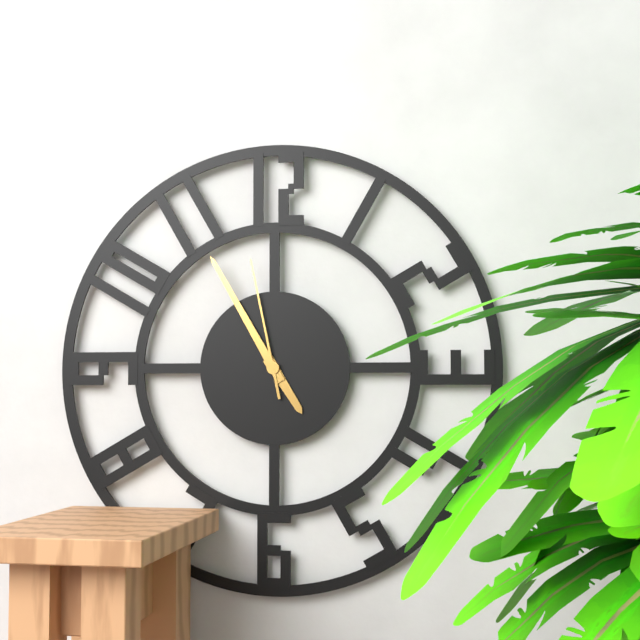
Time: {"hour": 4, "minute": 55, "second": 58}
